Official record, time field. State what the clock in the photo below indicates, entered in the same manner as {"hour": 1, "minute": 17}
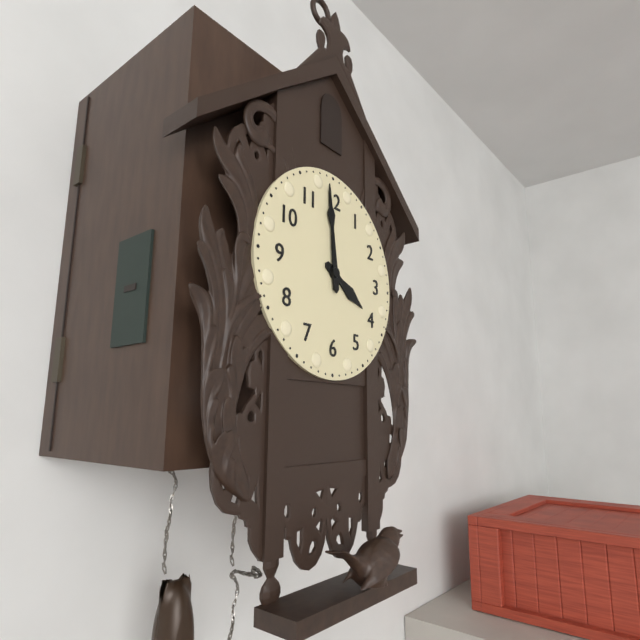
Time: {"hour": 3, "minute": 59}
